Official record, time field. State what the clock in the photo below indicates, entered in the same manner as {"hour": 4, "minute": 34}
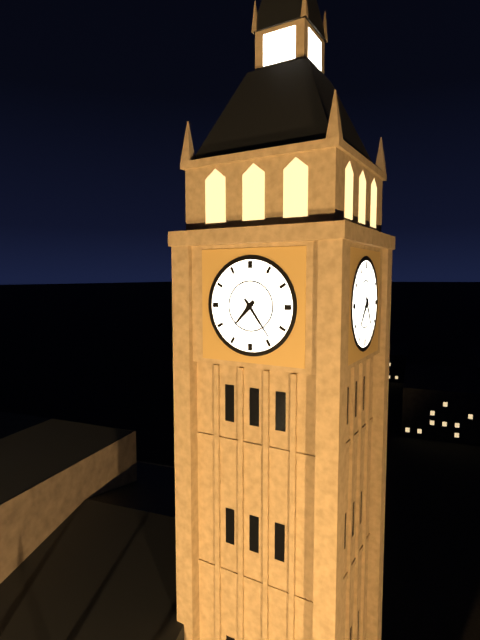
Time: {"hour": 7, "minute": 24}
